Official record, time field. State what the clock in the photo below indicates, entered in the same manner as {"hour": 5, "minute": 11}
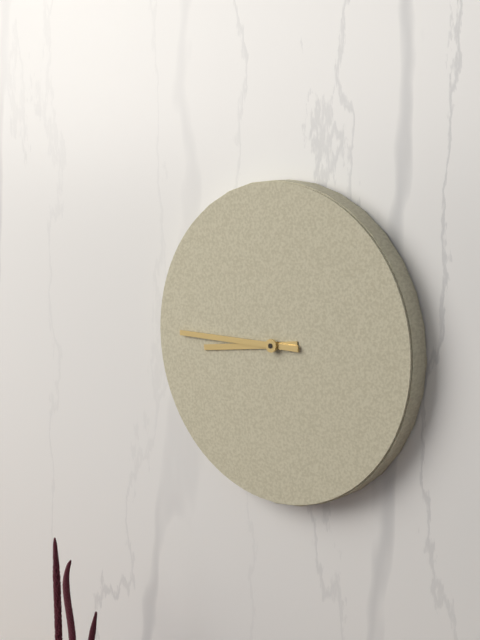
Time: {"hour": 8, "minute": 45}
